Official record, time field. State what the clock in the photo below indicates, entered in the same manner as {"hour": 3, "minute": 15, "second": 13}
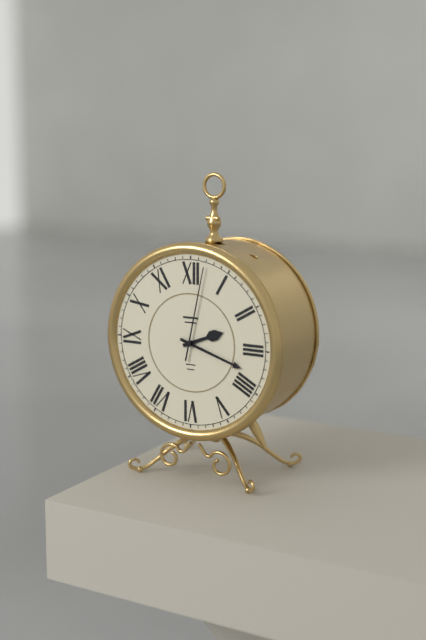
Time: {"hour": 2, "minute": 18, "second": 2}
